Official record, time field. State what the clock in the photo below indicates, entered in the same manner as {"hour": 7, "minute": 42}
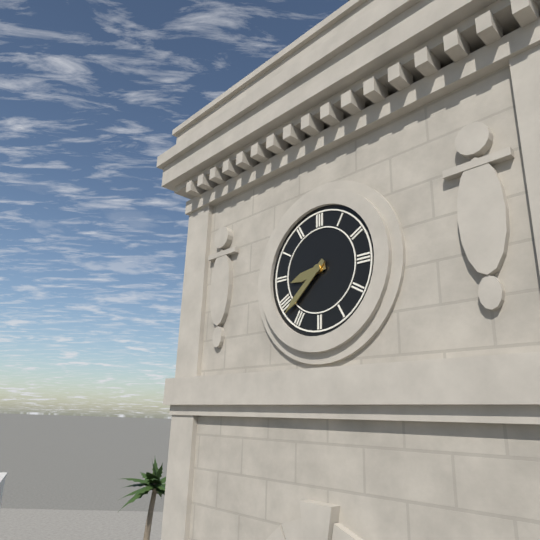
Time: {"hour": 8, "minute": 38}
